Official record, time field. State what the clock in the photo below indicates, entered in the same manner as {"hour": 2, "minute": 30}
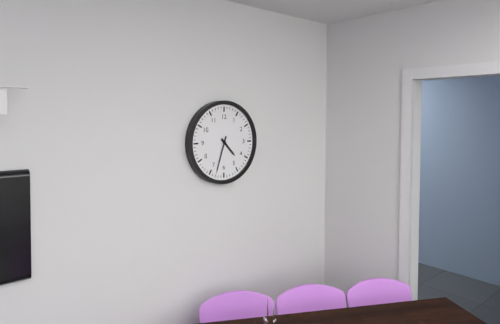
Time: {"hour": 4, "minute": 33}
